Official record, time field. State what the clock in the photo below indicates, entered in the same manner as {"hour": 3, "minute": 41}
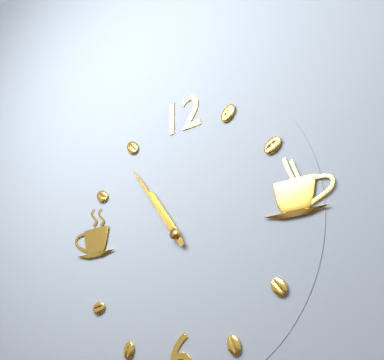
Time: {"hour": 10, "minute": 54}
